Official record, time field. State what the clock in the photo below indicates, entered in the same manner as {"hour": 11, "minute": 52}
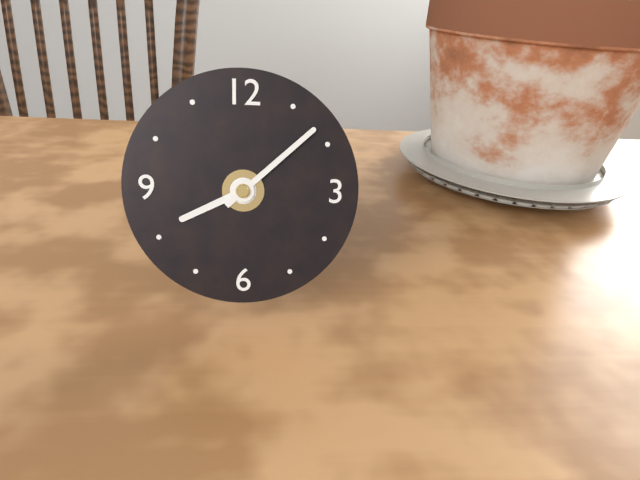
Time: {"hour": 8, "minute": 8}
